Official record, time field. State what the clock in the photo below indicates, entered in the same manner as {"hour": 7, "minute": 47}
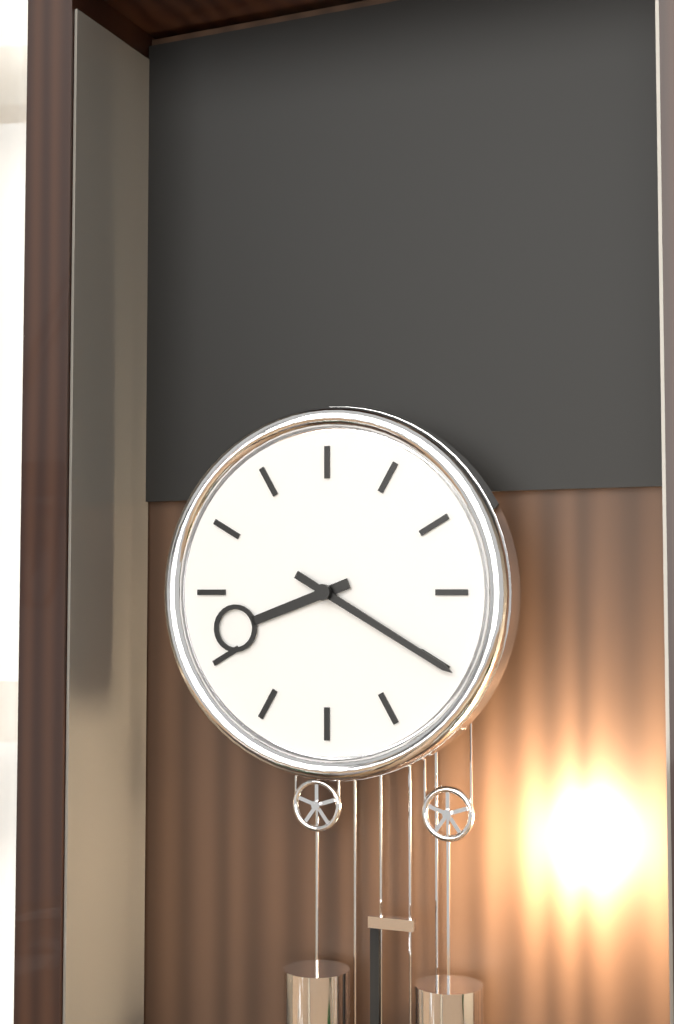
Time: {"hour": 8, "minute": 20}
